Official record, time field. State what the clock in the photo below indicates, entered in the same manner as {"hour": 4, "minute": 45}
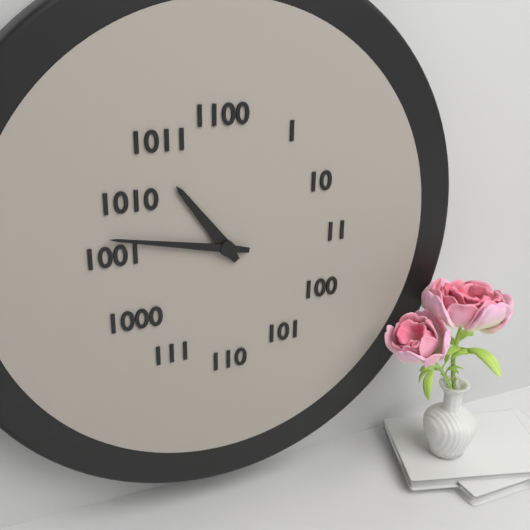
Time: {"hour": 10, "minute": 47}
